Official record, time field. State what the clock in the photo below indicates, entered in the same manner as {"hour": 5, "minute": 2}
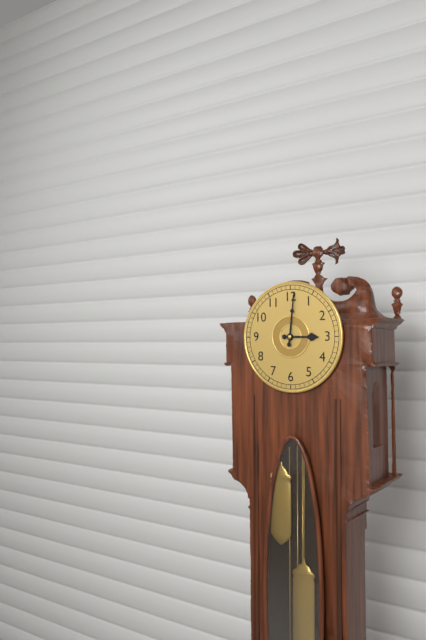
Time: {"hour": 3, "minute": 1}
